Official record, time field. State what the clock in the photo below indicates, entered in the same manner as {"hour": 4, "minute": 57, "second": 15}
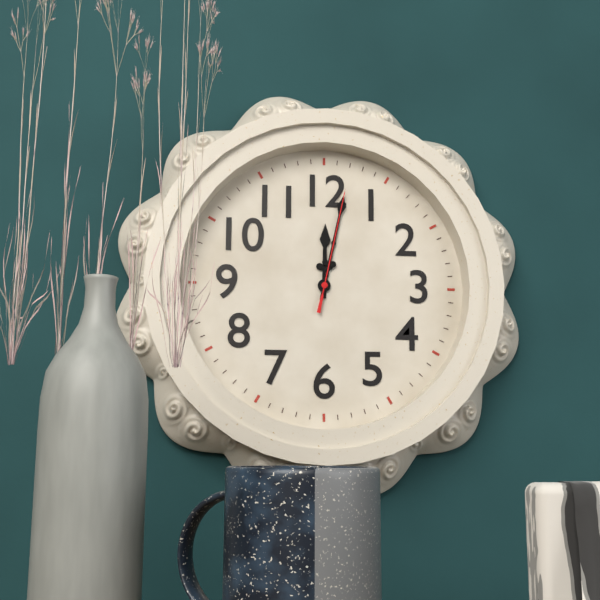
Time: {"hour": 12, "minute": 2, "second": 2}
